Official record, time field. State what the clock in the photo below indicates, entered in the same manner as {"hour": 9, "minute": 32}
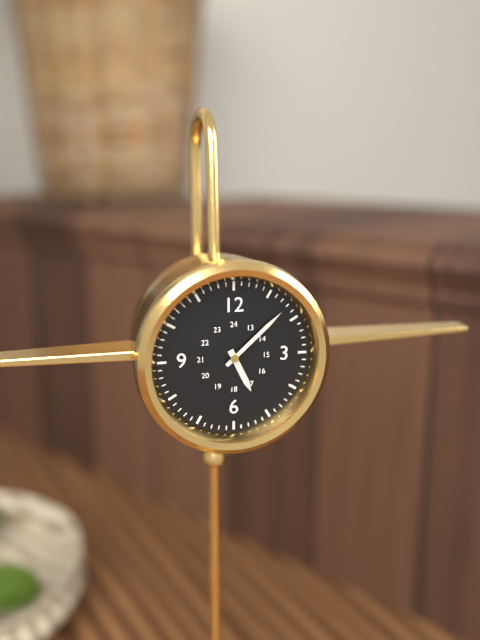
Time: {"hour": 5, "minute": 8}
